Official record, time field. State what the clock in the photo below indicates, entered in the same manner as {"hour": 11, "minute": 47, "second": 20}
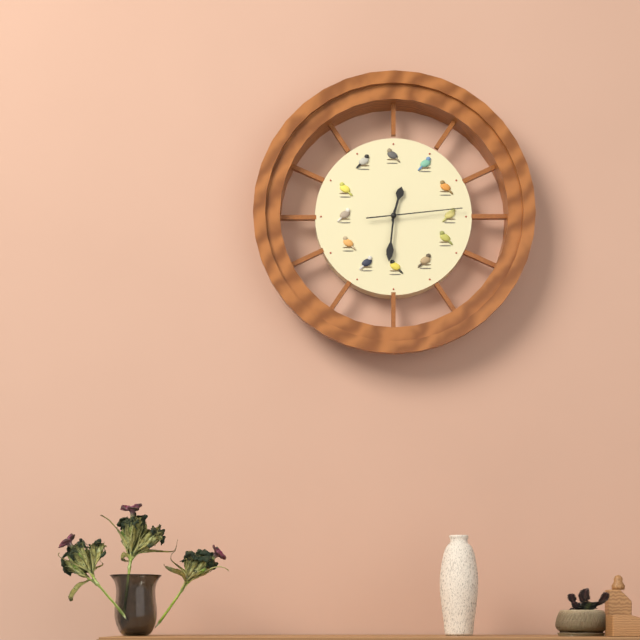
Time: {"hour": 12, "minute": 31, "second": 14}
